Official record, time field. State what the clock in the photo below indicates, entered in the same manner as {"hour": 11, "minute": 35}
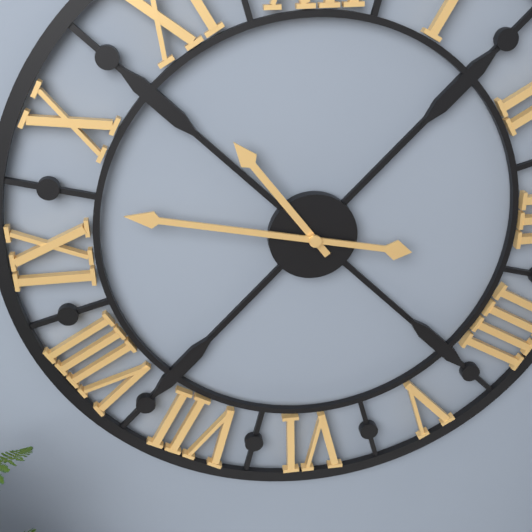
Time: {"hour": 10, "minute": 47}
